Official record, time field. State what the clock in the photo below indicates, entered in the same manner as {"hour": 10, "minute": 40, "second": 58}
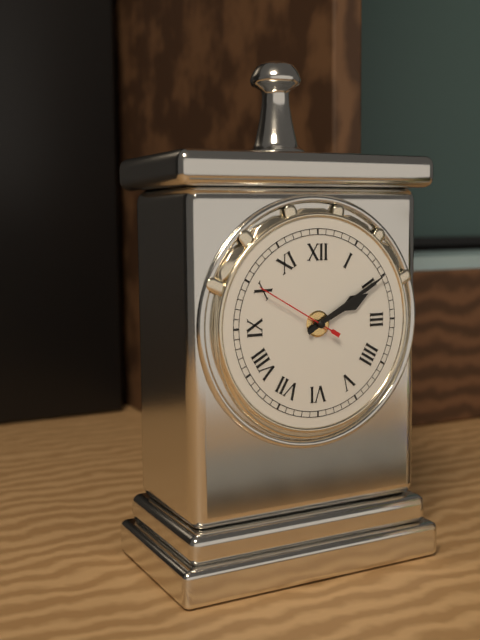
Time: {"hour": 2, "minute": 10, "second": 50}
